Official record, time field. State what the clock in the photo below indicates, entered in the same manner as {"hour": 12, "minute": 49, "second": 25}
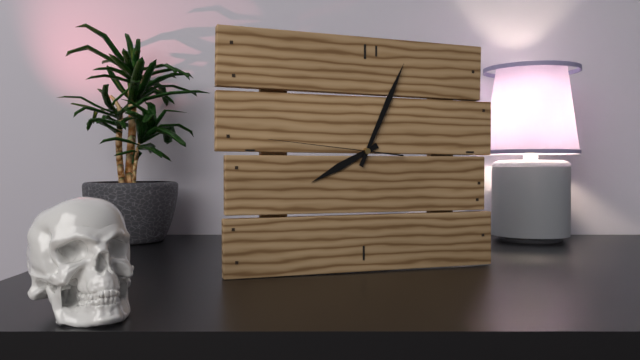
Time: {"hour": 8, "minute": 4, "second": 46}
